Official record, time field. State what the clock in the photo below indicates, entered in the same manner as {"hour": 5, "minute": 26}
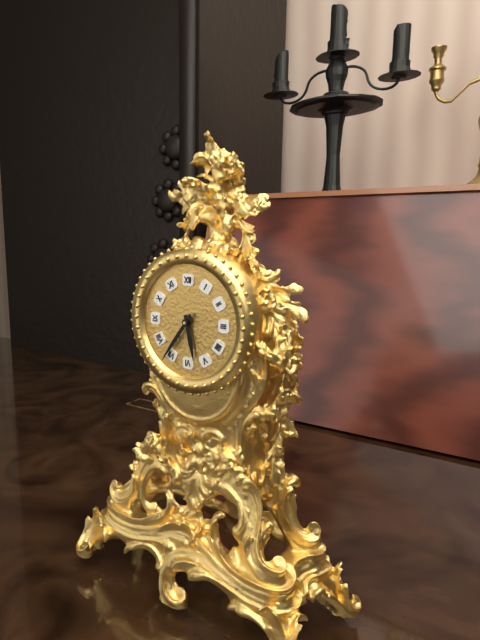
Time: {"hour": 5, "minute": 36}
